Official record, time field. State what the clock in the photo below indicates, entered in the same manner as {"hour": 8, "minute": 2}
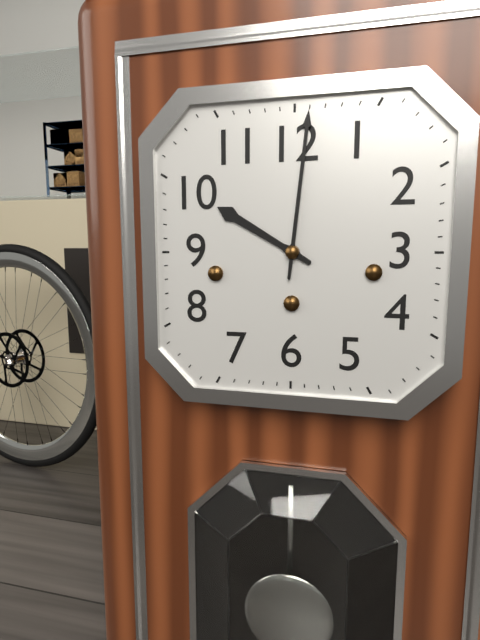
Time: {"hour": 10, "minute": 1}
